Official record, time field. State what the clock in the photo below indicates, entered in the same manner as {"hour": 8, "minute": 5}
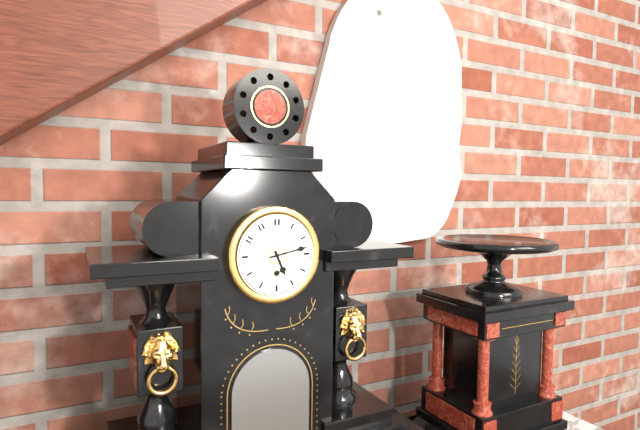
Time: {"hour": 5, "minute": 13}
